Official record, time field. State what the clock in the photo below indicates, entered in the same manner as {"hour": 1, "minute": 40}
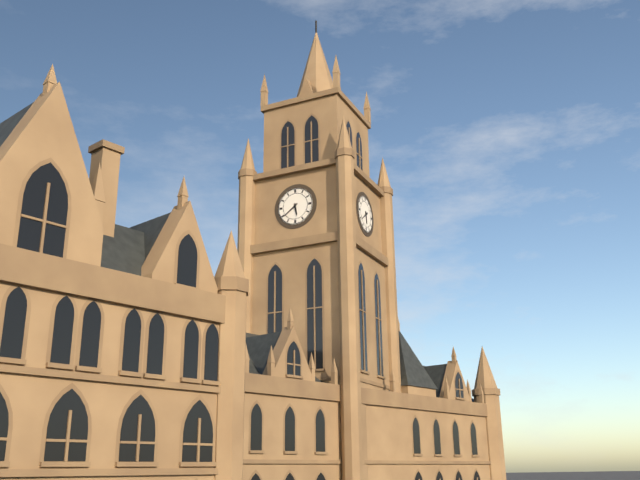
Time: {"hour": 5, "minute": 39}
